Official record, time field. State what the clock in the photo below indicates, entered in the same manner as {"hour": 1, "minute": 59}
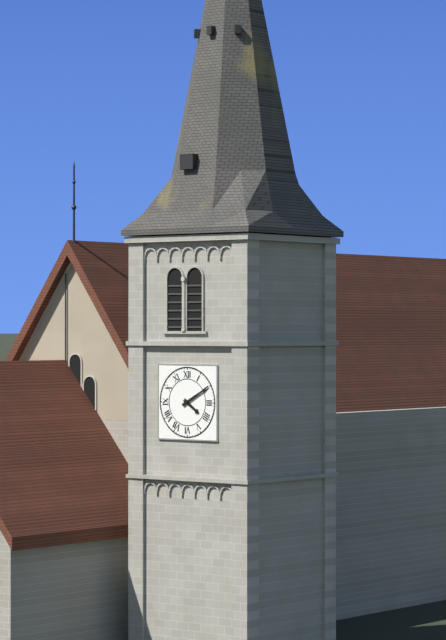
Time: {"hour": 4, "minute": 10}
